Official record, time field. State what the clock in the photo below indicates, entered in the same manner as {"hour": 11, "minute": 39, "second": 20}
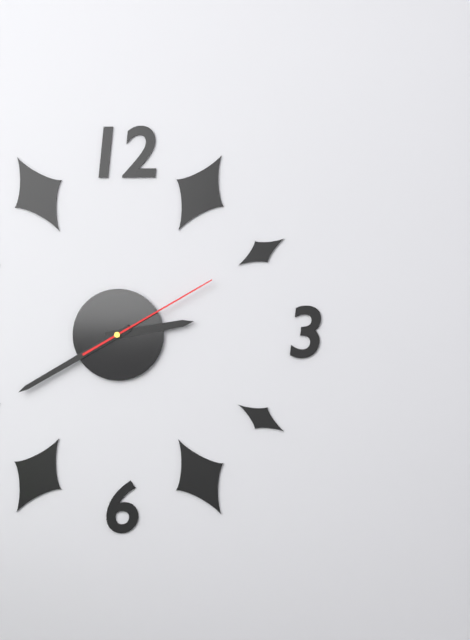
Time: {"hour": 2, "minute": 40, "second": 10}
